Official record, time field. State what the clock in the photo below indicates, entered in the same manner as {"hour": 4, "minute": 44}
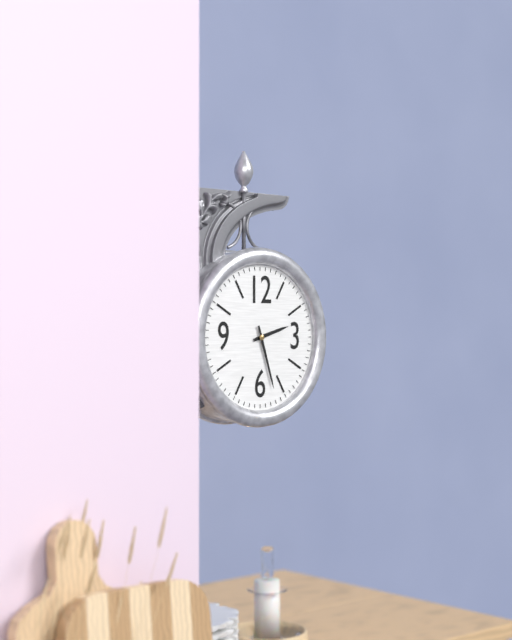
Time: {"hour": 2, "minute": 27}
